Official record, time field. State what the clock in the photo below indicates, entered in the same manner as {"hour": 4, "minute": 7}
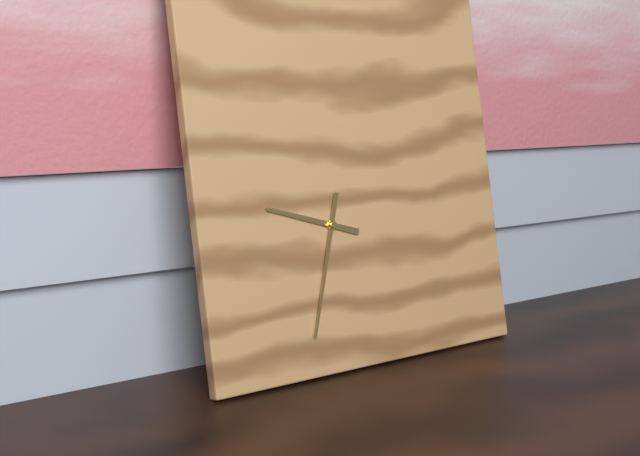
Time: {"hour": 9, "minute": 33}
